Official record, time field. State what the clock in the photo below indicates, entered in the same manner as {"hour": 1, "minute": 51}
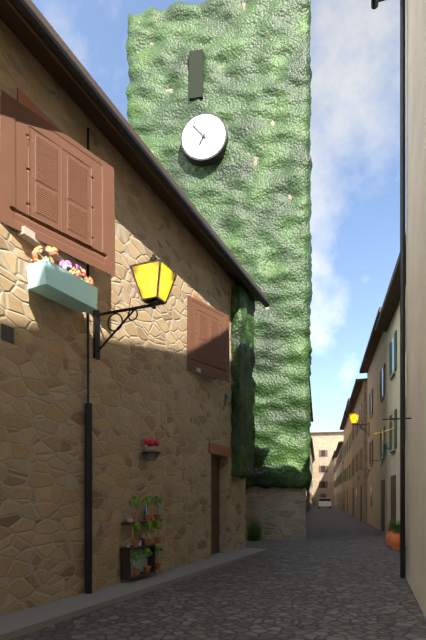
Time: {"hour": 6, "minute": 53}
